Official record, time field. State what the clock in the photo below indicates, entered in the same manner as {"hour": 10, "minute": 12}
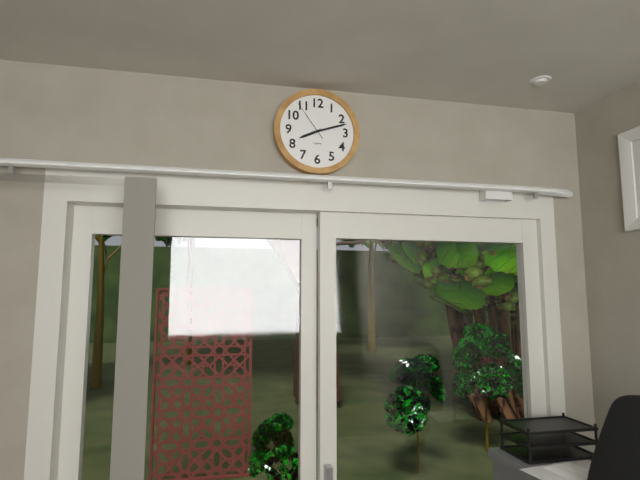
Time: {"hour": 8, "minute": 12}
